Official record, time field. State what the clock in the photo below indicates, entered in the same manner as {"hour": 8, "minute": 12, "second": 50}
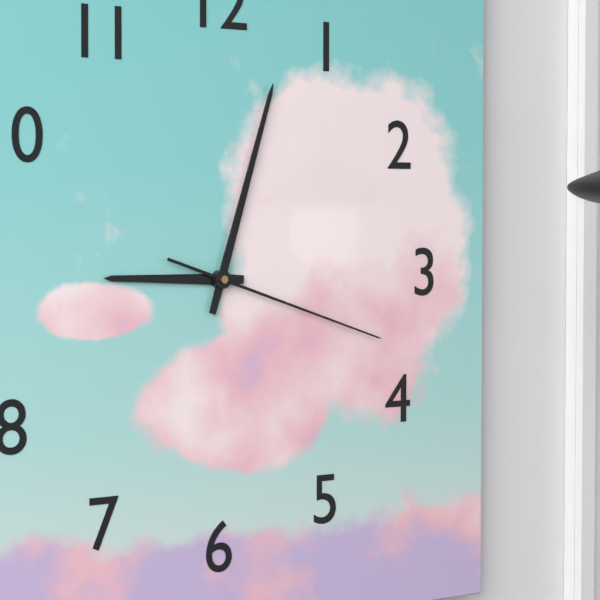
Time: {"hour": 9, "minute": 3, "second": 18}
